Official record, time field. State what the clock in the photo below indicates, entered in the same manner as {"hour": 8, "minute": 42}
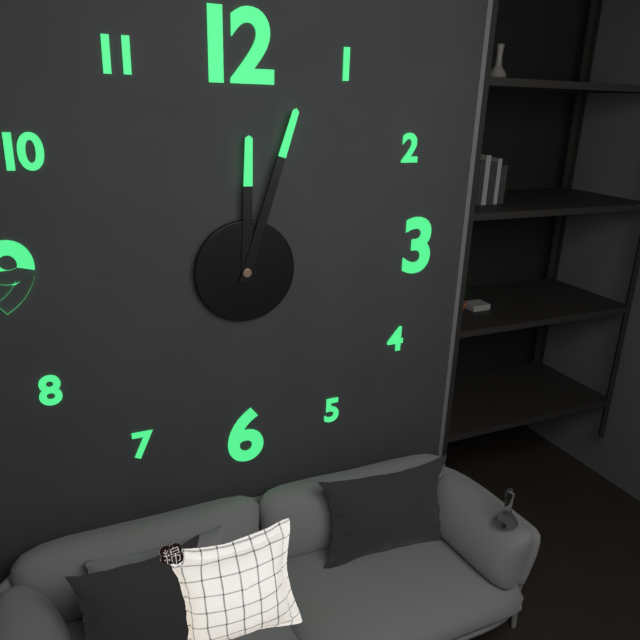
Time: {"hour": 12, "minute": 3}
